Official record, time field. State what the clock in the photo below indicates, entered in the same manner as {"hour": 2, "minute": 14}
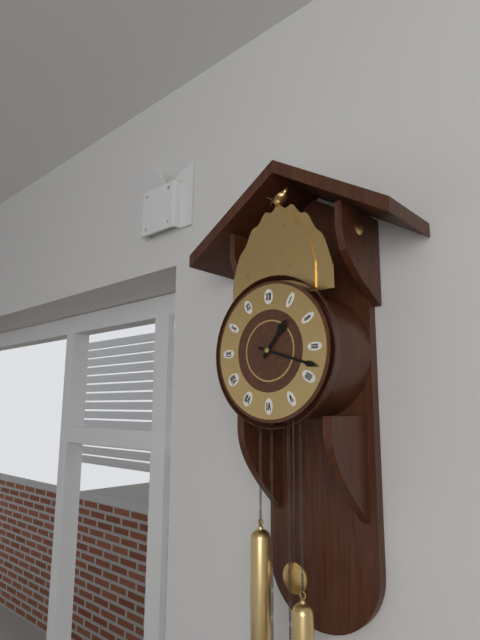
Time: {"hour": 1, "minute": 18}
